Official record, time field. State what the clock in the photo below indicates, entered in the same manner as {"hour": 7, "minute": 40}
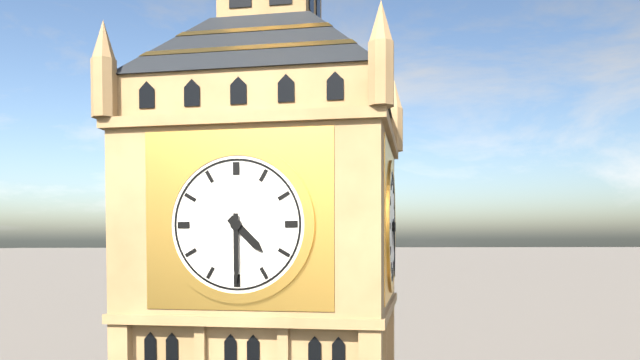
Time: {"hour": 4, "minute": 30}
